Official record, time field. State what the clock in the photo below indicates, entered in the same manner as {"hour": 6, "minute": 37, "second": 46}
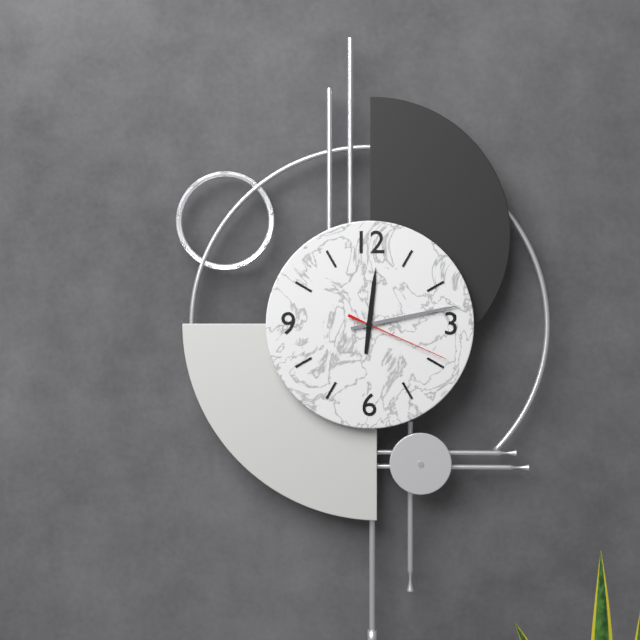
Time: {"hour": 12, "minute": 13, "second": 19}
